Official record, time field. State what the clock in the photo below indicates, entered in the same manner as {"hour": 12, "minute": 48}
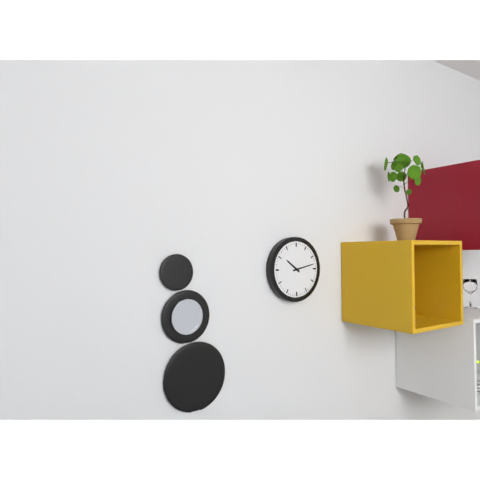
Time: {"hour": 10, "minute": 13}
